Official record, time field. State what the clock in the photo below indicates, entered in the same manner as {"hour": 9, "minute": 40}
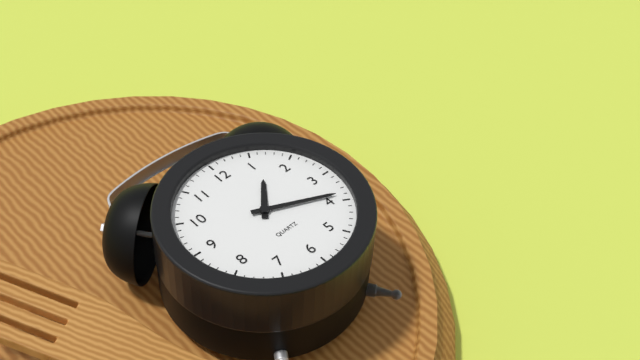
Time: {"hour": 1, "minute": 19}
